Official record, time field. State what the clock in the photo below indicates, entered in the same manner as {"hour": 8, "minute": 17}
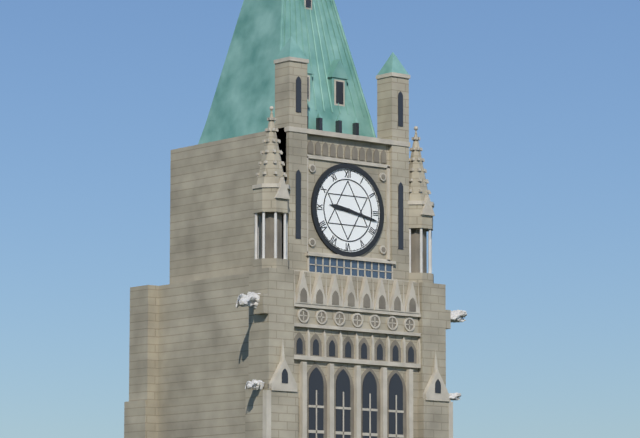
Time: {"hour": 9, "minute": 17}
